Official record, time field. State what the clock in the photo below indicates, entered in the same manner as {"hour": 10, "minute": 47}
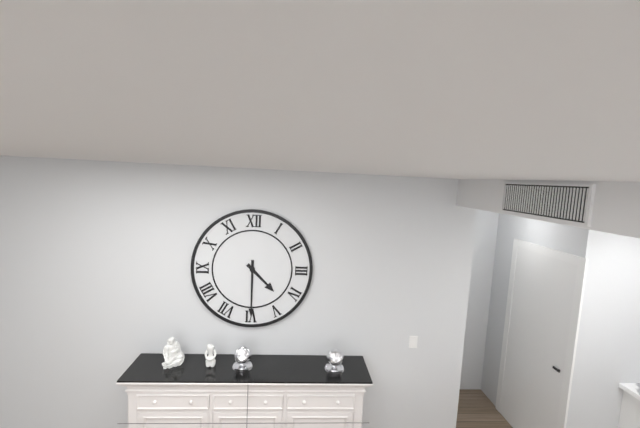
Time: {"hour": 4, "minute": 30}
